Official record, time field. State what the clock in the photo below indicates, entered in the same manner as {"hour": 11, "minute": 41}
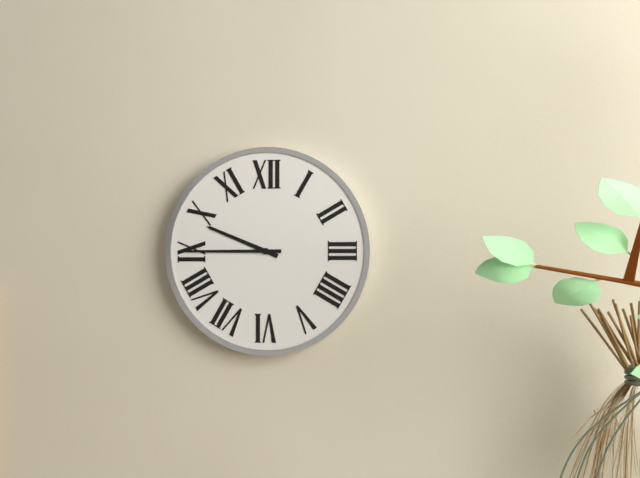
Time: {"hour": 9, "minute": 45}
